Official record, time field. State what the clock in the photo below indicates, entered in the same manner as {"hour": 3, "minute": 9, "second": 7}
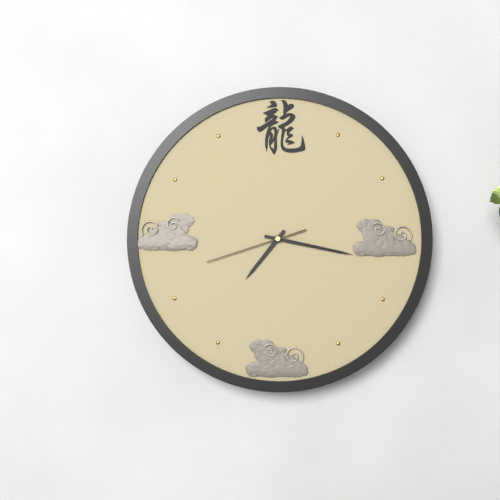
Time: {"hour": 7, "minute": 17, "second": 42}
